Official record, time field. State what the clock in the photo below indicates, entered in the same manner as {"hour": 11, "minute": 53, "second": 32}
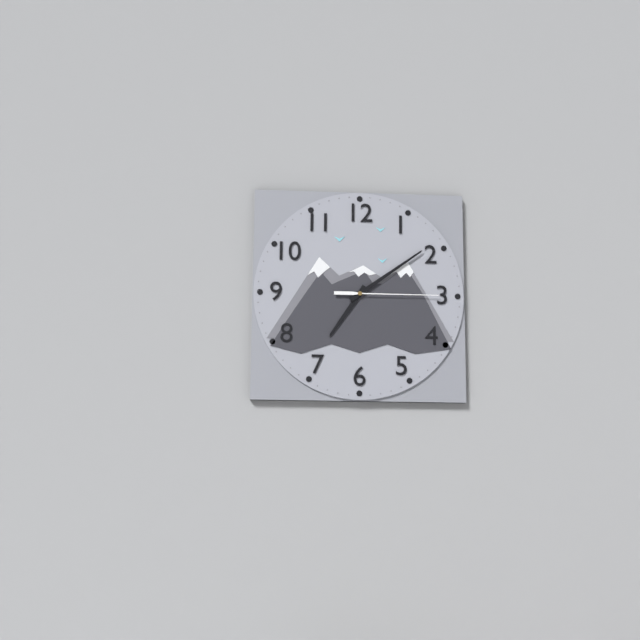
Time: {"hour": 7, "minute": 9, "second": 15}
